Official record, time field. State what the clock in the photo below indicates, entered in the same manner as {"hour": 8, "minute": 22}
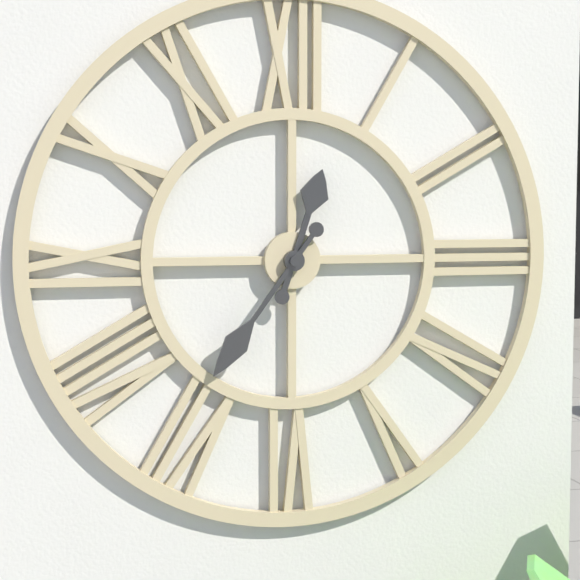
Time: {"hour": 12, "minute": 36}
